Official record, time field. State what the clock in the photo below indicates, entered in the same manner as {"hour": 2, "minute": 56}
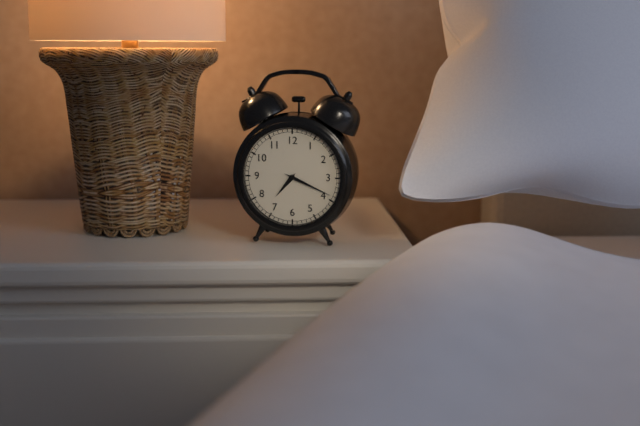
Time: {"hour": 7, "minute": 19}
